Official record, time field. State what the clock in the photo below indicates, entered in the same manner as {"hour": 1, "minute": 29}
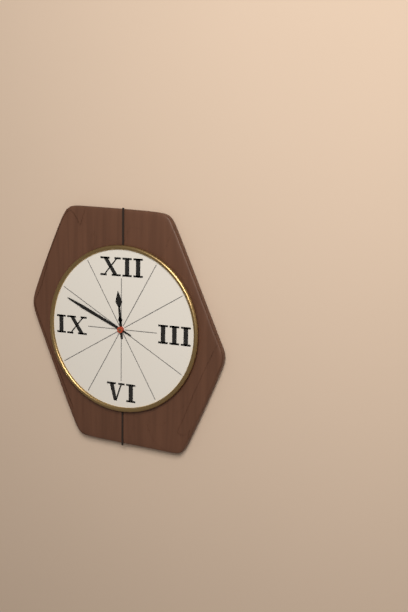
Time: {"hour": 11, "minute": 49}
